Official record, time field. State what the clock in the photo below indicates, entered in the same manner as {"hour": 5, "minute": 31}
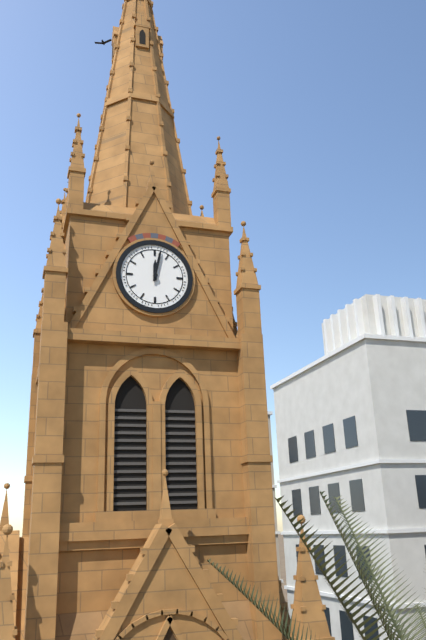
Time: {"hour": 12, "minute": 2}
